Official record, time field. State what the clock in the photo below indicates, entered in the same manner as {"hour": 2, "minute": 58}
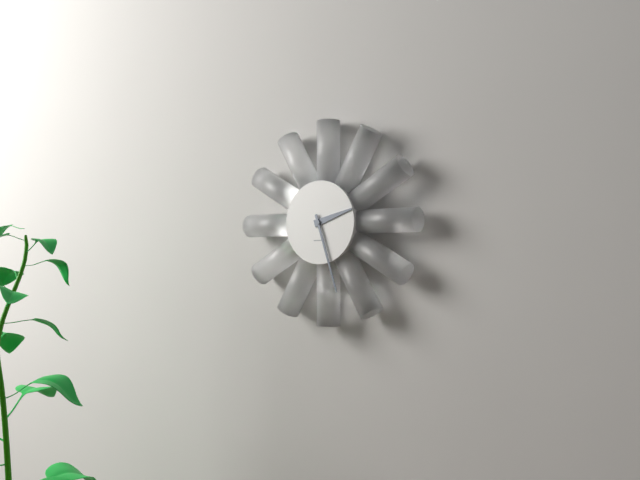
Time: {"hour": 2, "minute": 27}
